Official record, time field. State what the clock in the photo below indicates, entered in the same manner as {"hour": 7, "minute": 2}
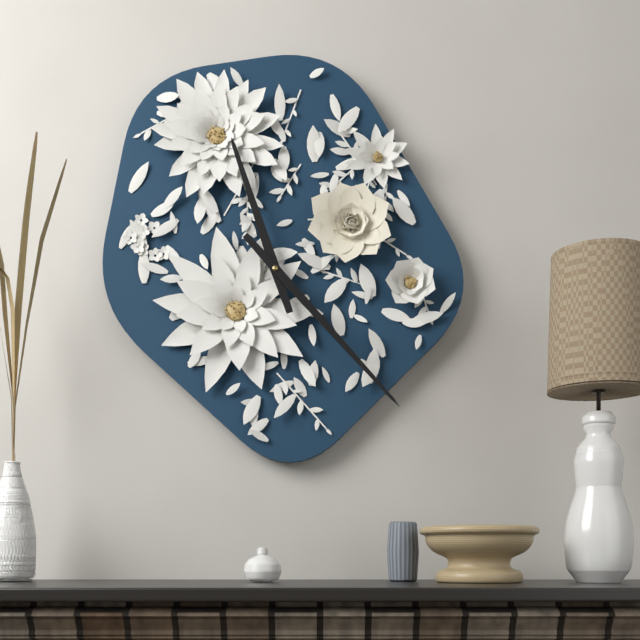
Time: {"hour": 11, "minute": 23}
